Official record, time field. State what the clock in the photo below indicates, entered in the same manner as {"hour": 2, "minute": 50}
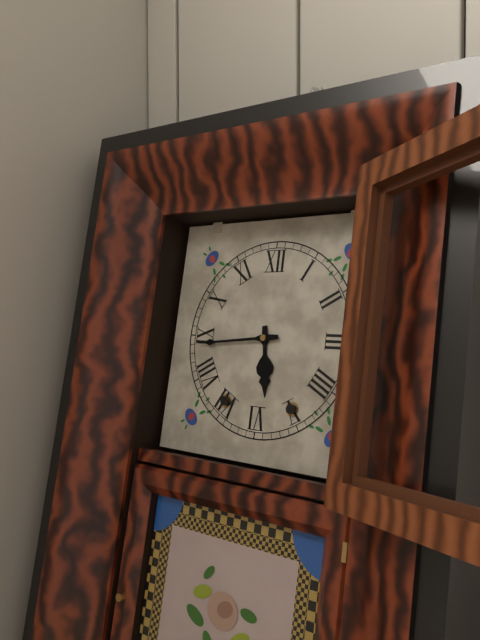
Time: {"hour": 5, "minute": 44}
